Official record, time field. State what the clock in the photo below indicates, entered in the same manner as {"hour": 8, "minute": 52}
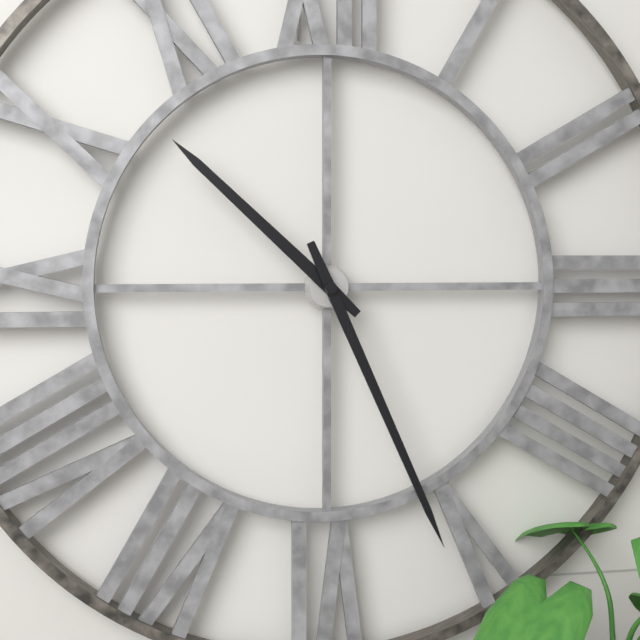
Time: {"hour": 10, "minute": 26}
